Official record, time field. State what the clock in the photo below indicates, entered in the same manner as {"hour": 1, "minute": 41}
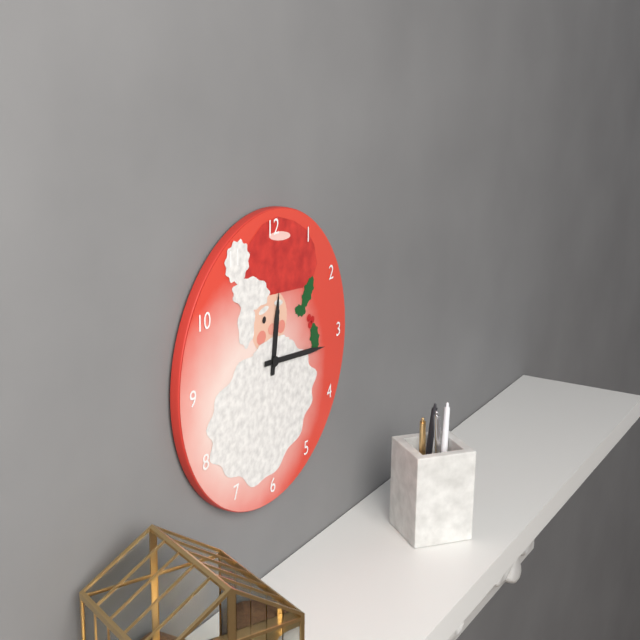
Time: {"hour": 12, "minute": 16}
